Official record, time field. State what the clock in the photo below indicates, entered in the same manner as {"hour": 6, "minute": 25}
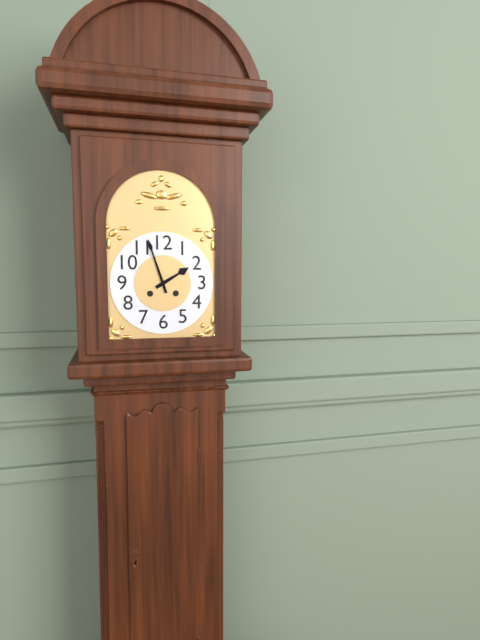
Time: {"hour": 1, "minute": 57}
